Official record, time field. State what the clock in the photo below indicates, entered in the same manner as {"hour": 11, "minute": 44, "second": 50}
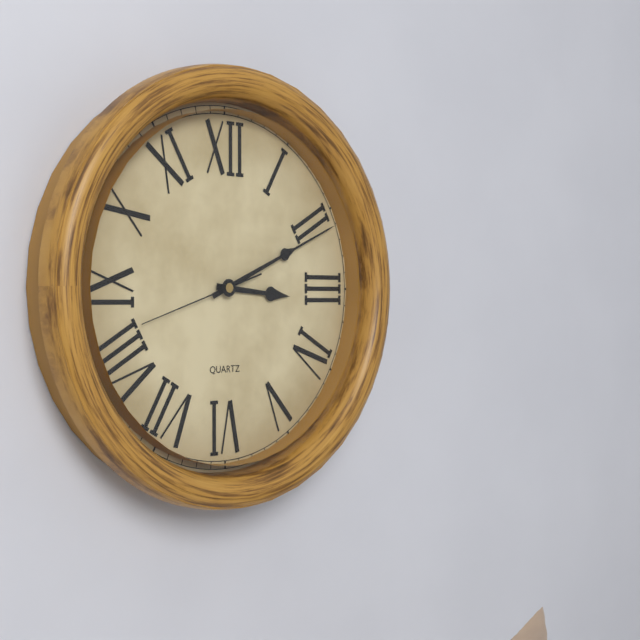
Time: {"hour": 3, "minute": 11, "second": 42}
